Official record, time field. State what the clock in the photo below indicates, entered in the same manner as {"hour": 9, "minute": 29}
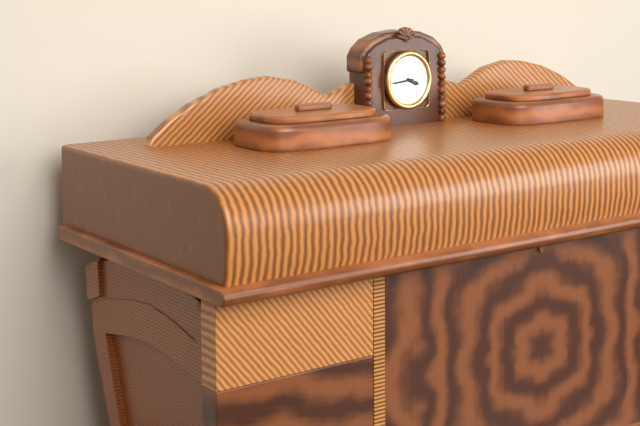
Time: {"hour": 3, "minute": 44}
